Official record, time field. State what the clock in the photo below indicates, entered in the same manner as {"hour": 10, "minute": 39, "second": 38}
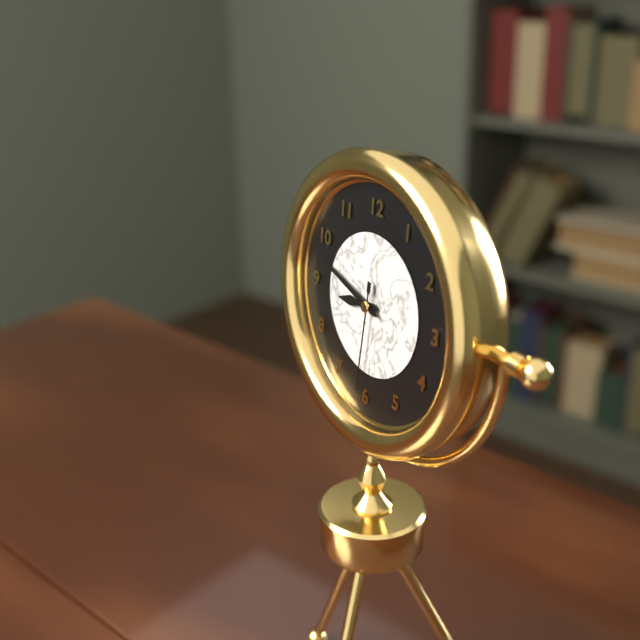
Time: {"hour": 8, "minute": 48, "second": 31}
